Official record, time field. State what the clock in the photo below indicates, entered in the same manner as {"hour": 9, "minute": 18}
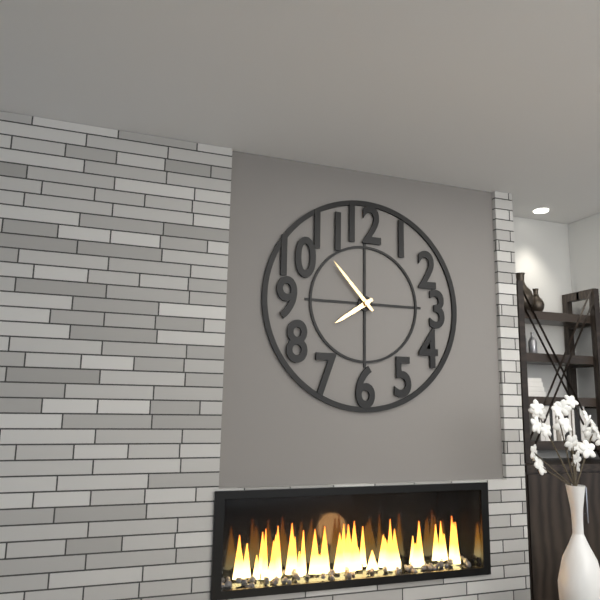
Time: {"hour": 7, "minute": 53}
